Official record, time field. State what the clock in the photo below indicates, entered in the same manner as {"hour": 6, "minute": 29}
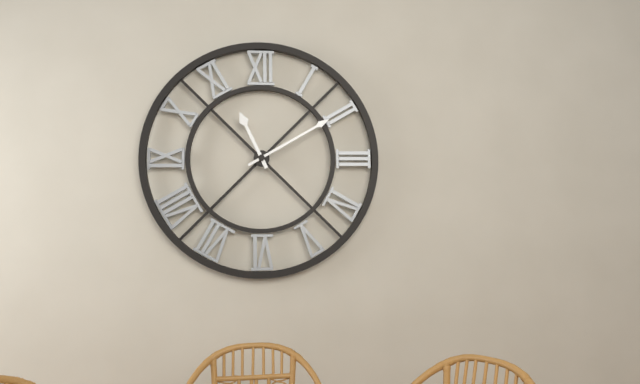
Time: {"hour": 11, "minute": 10}
